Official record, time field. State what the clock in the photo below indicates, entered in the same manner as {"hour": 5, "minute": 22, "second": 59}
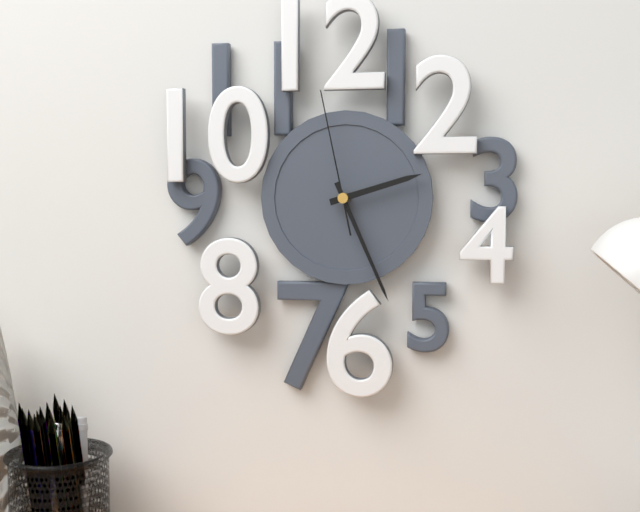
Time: {"hour": 2, "minute": 26, "second": 58}
